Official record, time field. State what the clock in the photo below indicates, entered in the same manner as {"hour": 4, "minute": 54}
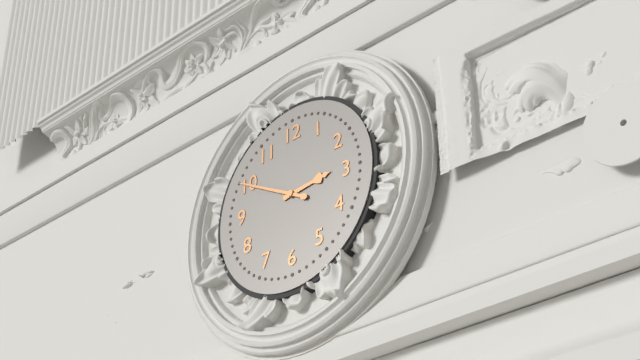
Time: {"hour": 2, "minute": 50}
